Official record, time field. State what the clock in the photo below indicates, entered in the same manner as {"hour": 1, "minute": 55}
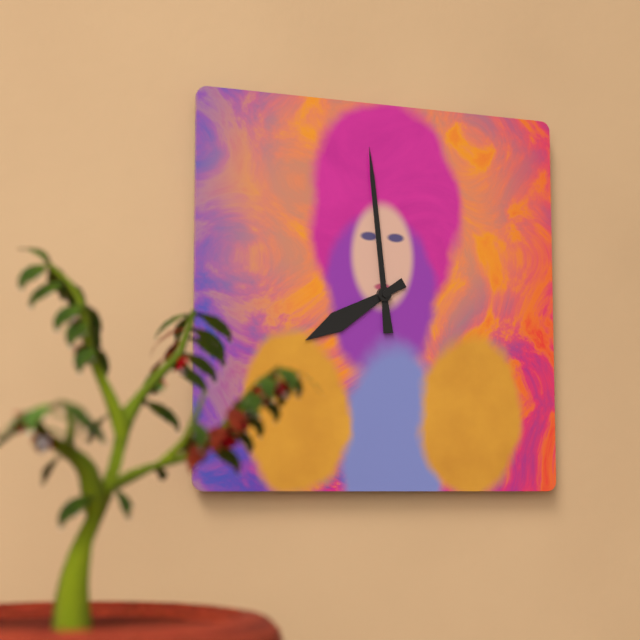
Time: {"hour": 7, "minute": 59}
